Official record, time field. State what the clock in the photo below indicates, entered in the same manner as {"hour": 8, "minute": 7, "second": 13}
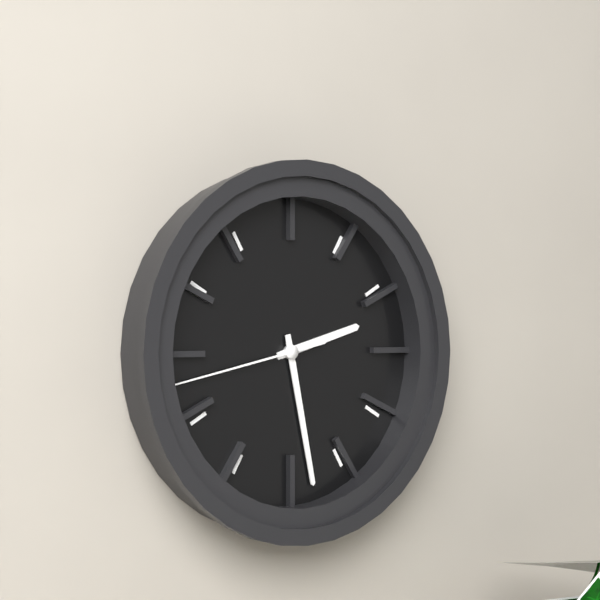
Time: {"hour": 2, "minute": 28, "second": 43}
